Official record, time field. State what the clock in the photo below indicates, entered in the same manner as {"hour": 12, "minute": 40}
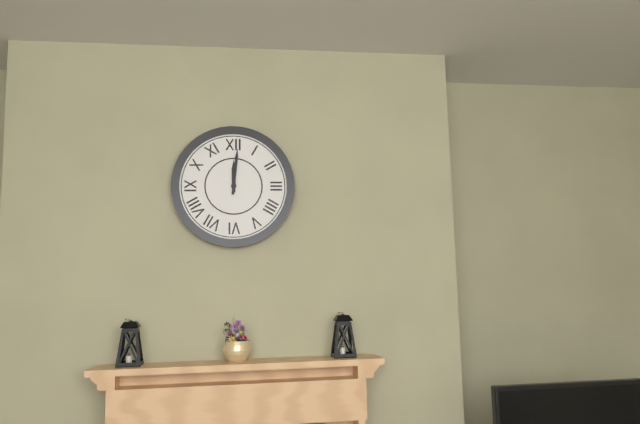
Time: {"hour": 12, "minute": 1}
